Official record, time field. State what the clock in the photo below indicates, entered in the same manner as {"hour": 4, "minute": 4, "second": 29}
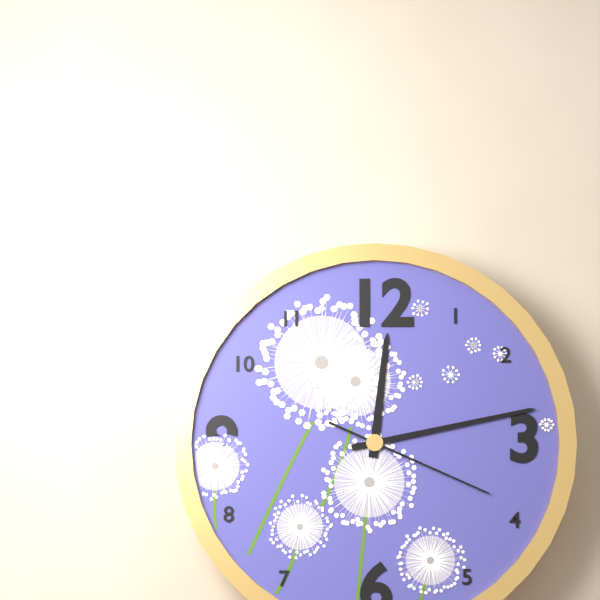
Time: {"hour": 12, "minute": 13, "second": 19}
